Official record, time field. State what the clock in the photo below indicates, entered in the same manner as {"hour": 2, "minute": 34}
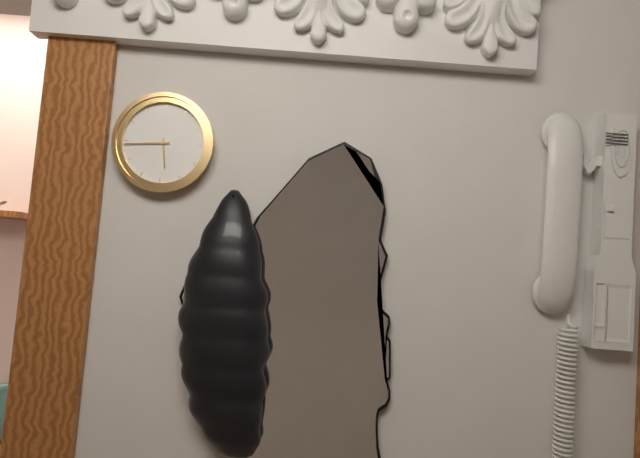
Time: {"hour": 5, "minute": 44}
